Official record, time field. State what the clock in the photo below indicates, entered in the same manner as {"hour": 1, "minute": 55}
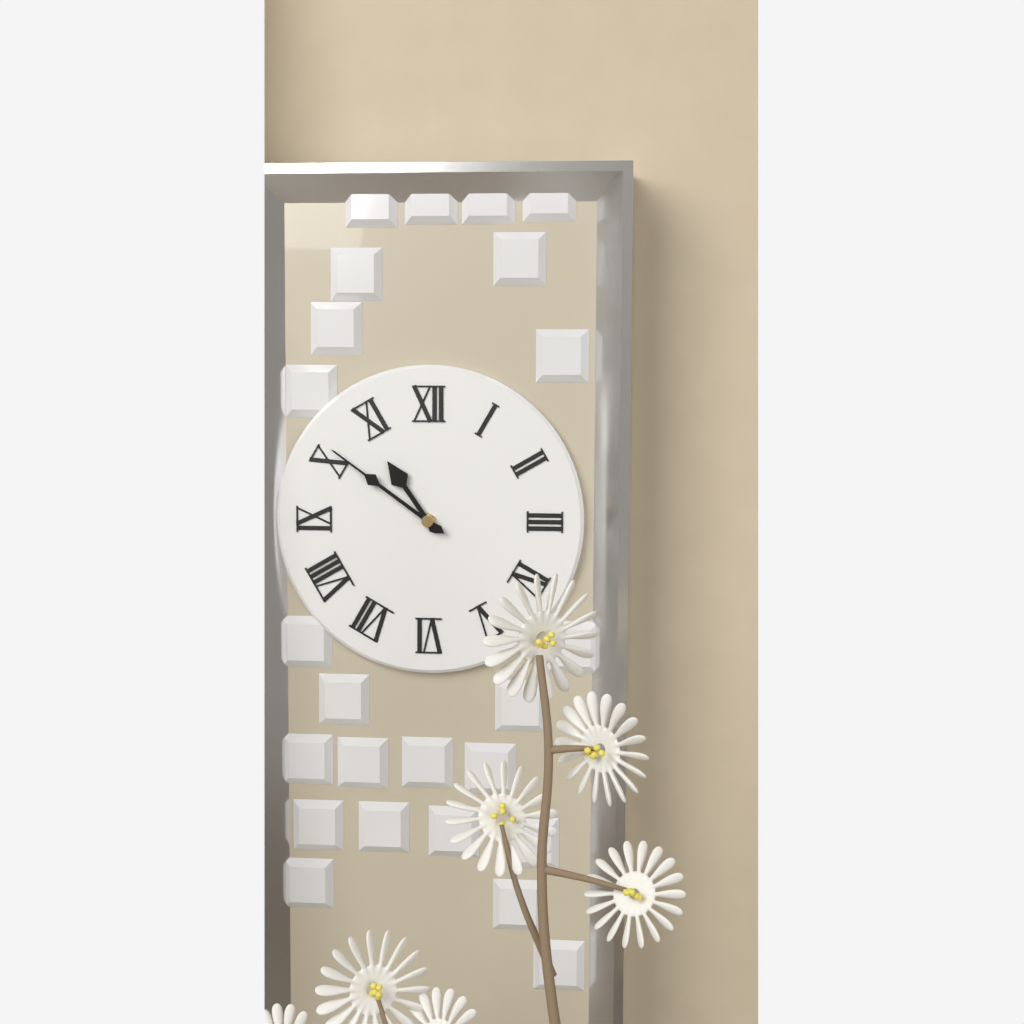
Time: {"hour": 10, "minute": 51}
